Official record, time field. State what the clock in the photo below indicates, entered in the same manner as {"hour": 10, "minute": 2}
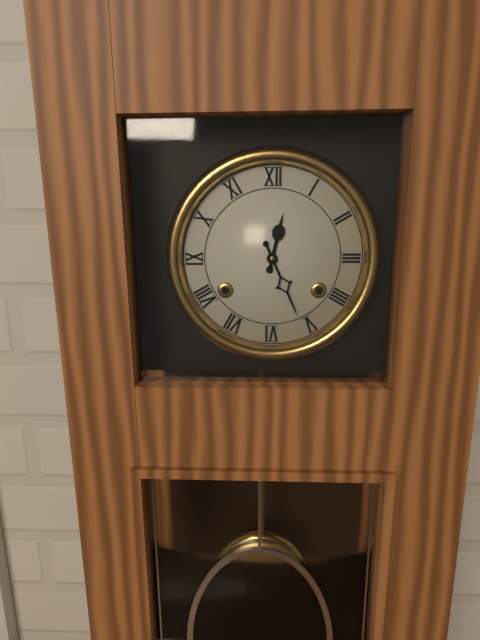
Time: {"hour": 12, "minute": 26}
